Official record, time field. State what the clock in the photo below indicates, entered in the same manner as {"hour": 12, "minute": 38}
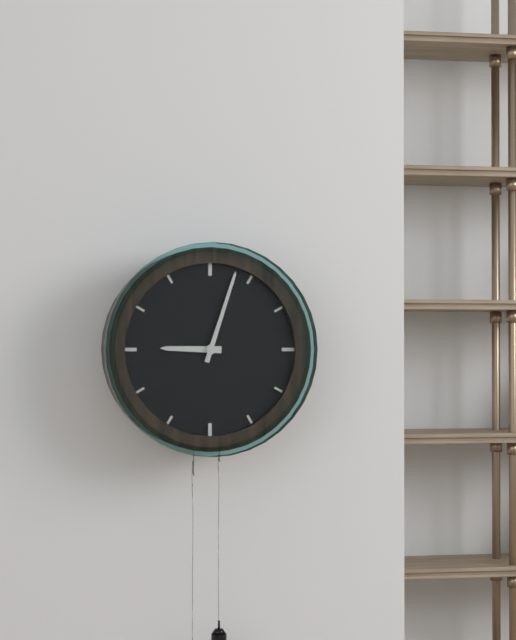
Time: {"hour": 9, "minute": 3}
